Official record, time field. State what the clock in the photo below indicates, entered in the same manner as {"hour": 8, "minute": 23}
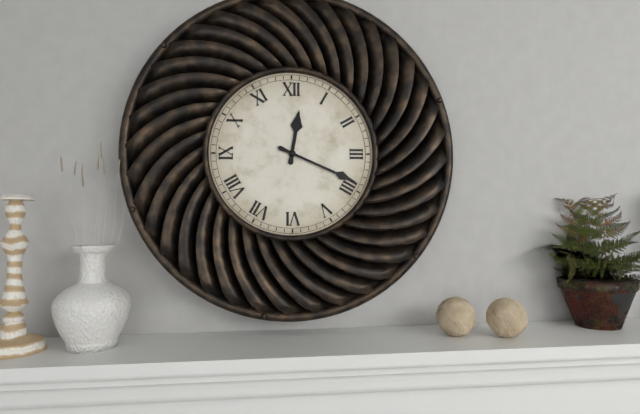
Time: {"hour": 12, "minute": 19}
